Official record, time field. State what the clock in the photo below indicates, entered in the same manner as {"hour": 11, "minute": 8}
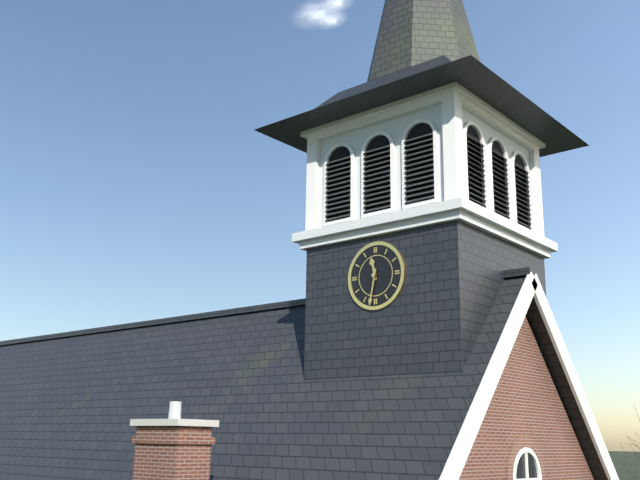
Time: {"hour": 11, "minute": 32}
